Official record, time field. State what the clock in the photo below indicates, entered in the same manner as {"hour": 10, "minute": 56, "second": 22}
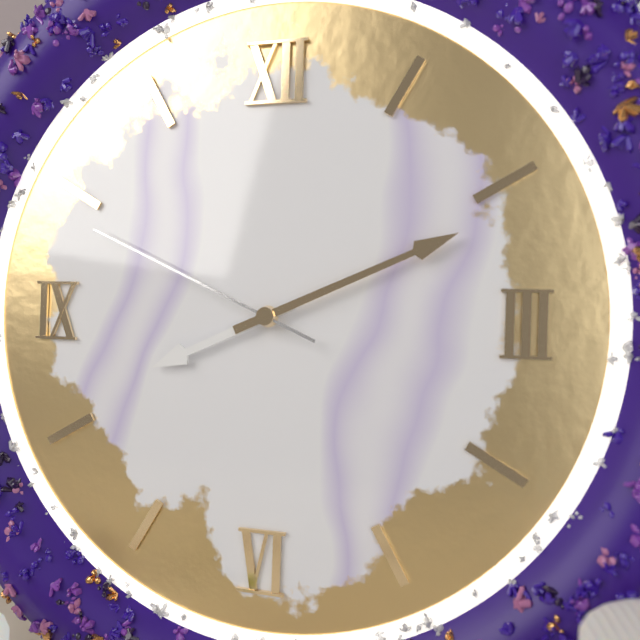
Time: {"hour": 8, "minute": 11, "second": 49}
